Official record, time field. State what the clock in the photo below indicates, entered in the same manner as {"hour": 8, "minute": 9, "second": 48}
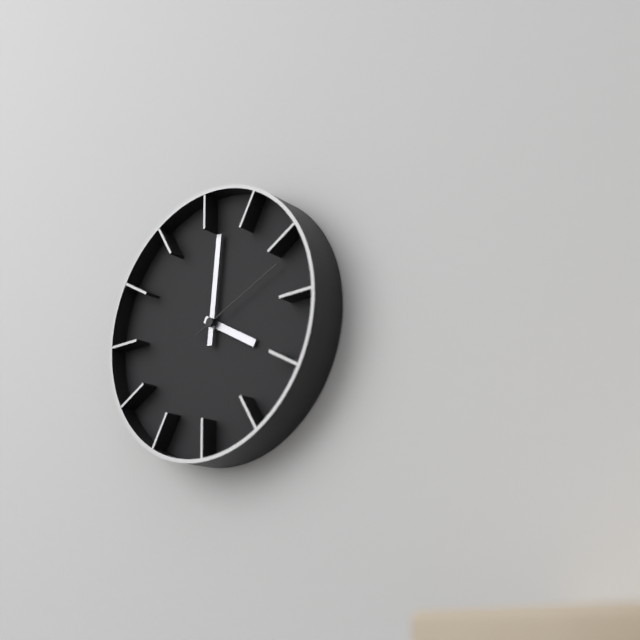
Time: {"hour": 4, "minute": 1, "second": 11}
